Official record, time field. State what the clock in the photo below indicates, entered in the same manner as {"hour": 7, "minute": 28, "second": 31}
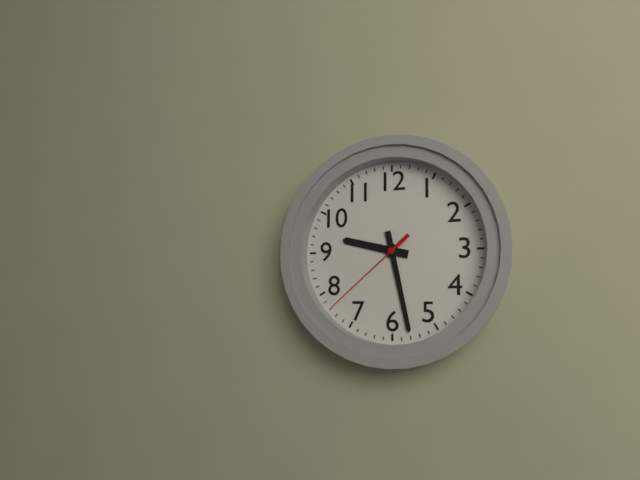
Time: {"hour": 9, "minute": 28, "second": 38}
